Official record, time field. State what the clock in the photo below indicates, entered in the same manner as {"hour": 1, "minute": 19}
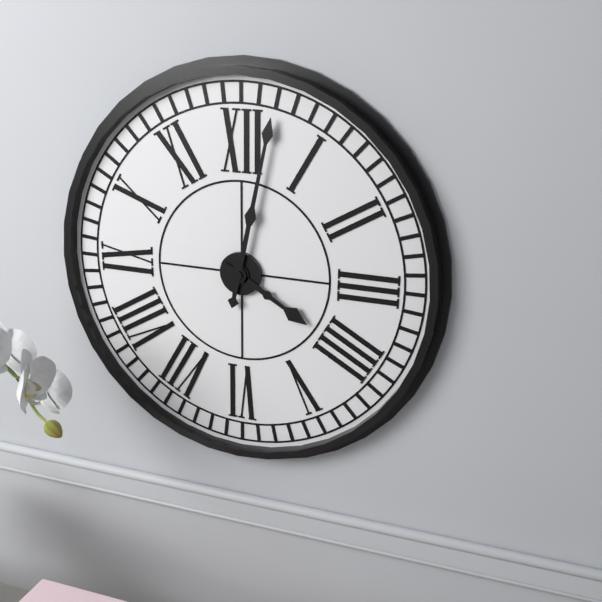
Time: {"hour": 4, "minute": 2}
